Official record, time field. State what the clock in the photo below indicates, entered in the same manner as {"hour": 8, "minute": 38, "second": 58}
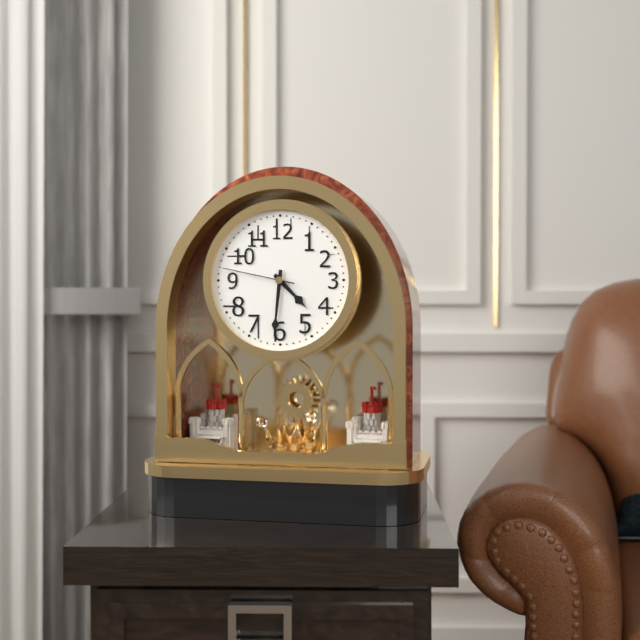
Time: {"hour": 4, "minute": 31, "second": 47}
